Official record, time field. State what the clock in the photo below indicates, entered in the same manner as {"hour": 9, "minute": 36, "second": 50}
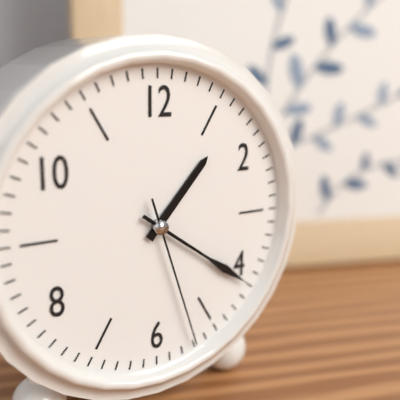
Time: {"hour": 1, "minute": 21, "second": 27}
